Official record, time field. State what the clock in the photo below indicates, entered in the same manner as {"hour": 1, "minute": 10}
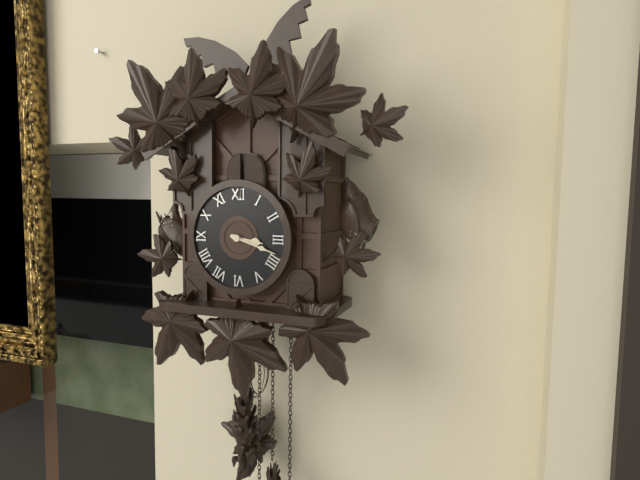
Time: {"hour": 3, "minute": 18}
